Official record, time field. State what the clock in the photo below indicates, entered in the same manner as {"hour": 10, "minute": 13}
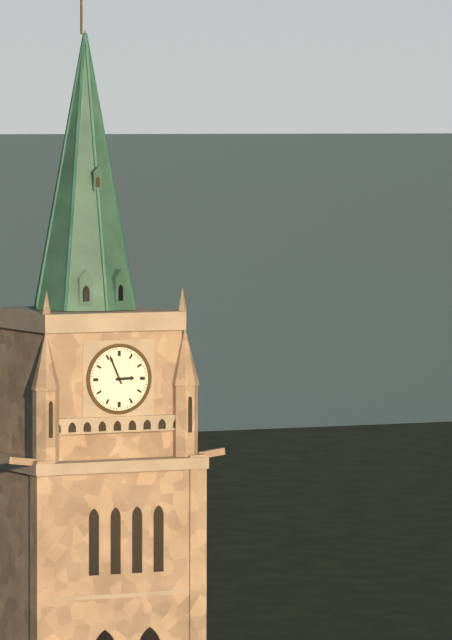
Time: {"hour": 2, "minute": 56}
